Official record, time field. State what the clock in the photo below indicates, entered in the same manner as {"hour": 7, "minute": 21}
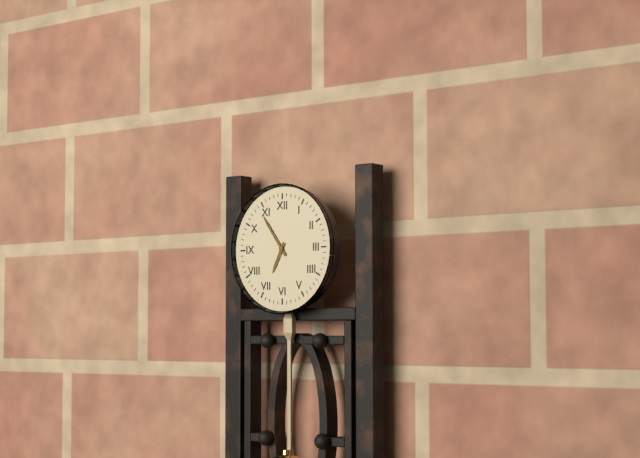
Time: {"hour": 6, "minute": 54}
